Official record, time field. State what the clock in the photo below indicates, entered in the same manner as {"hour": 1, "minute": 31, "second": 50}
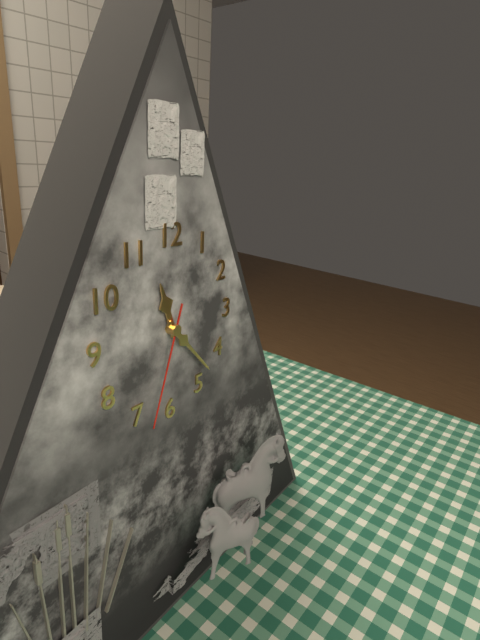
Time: {"hour": 11, "minute": 23, "second": 33}
